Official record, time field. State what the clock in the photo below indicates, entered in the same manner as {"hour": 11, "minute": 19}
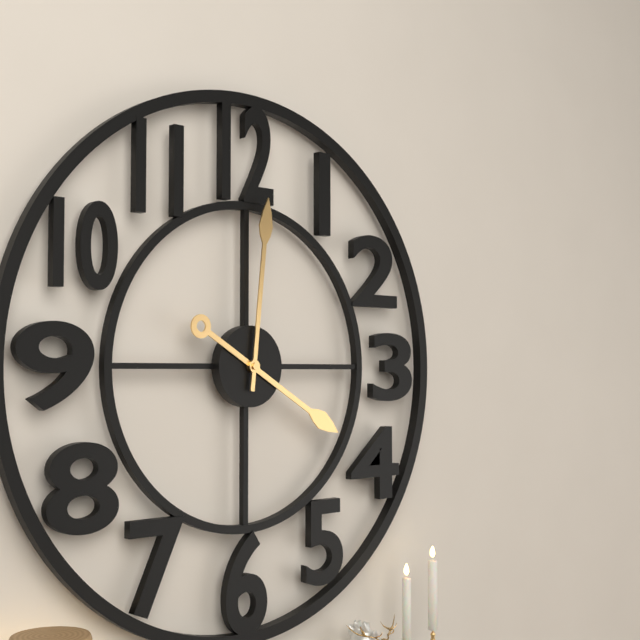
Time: {"hour": 4, "minute": 1}
